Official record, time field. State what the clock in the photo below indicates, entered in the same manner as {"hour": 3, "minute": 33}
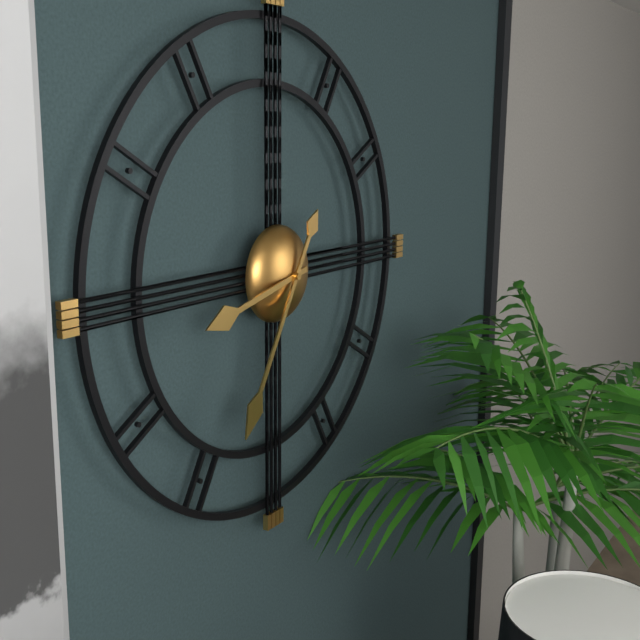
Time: {"hour": 8, "minute": 35}
